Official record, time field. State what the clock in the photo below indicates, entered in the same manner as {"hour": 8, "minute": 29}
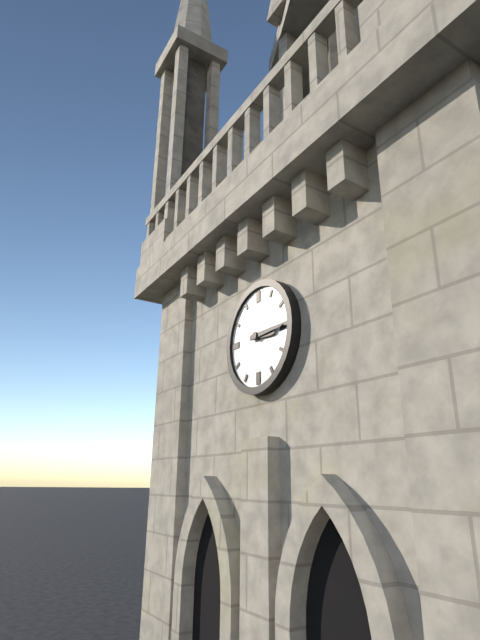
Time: {"hour": 3, "minute": 15}
